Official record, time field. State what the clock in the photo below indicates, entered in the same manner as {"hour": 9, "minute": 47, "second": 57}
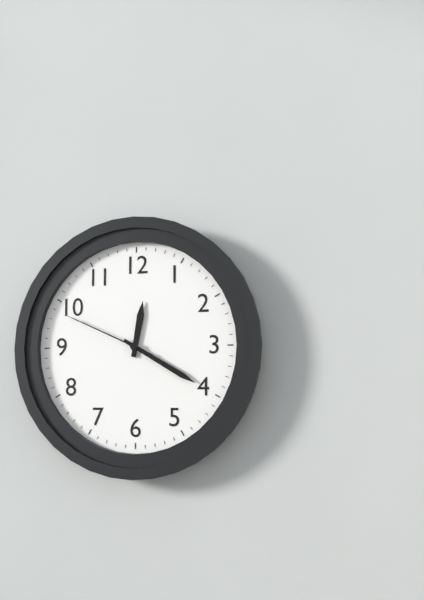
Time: {"hour": 12, "minute": 20, "second": 49}
